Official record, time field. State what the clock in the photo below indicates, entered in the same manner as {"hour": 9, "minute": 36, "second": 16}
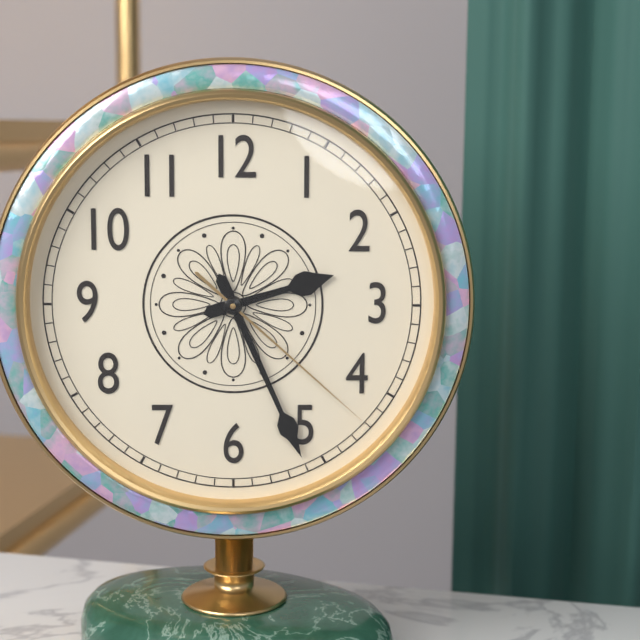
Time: {"hour": 2, "minute": 26, "second": 22}
